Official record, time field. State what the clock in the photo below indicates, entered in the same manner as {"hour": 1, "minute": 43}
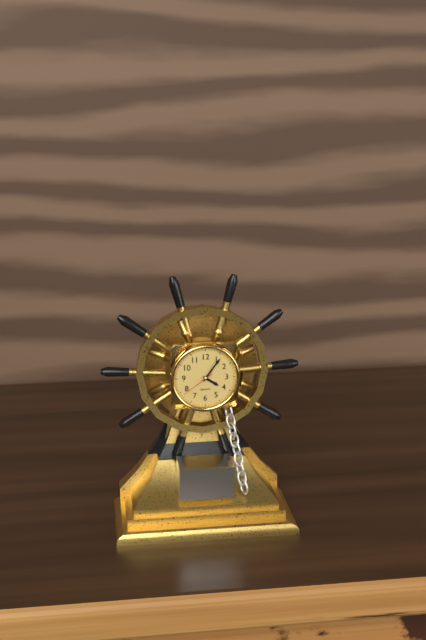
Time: {"hour": 4, "minute": 6}
